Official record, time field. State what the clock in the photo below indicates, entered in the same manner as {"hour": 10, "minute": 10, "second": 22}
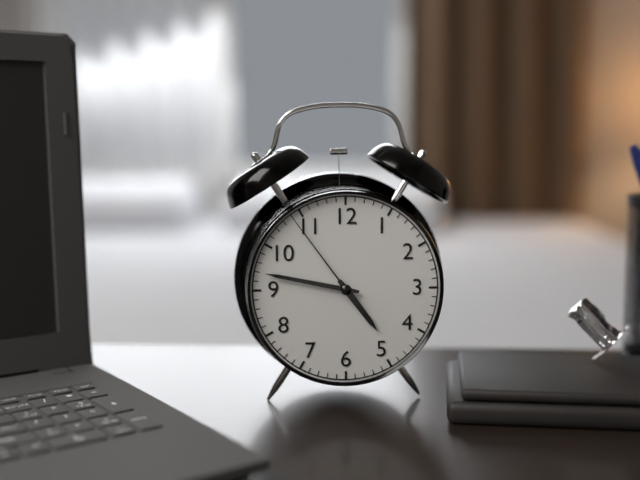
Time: {"hour": 4, "minute": 47, "second": 54}
